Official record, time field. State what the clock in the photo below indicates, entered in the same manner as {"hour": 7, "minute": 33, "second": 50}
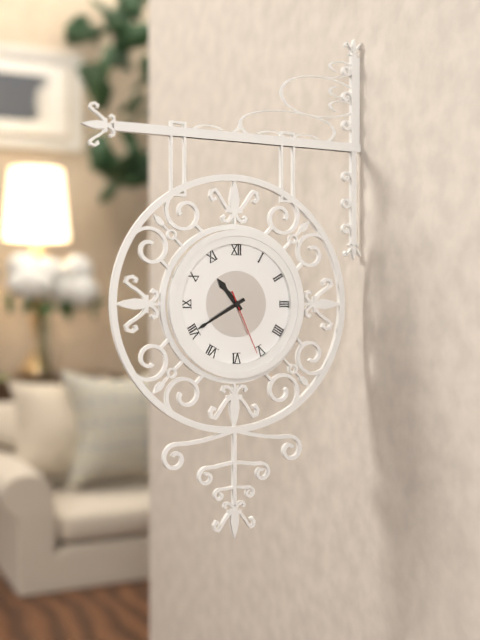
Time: {"hour": 10, "minute": 40, "second": 26}
